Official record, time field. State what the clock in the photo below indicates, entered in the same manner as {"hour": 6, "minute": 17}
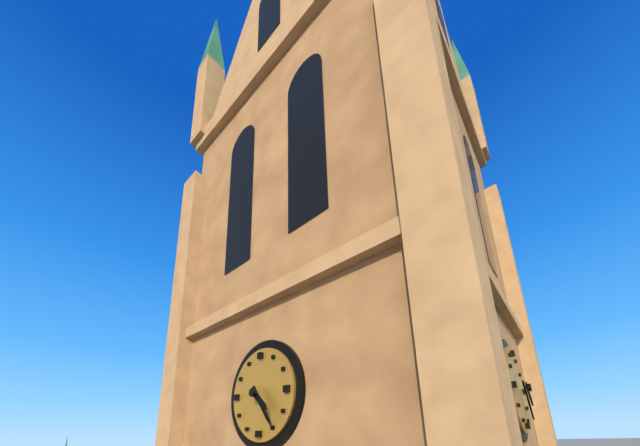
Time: {"hour": 4, "minute": 24}
